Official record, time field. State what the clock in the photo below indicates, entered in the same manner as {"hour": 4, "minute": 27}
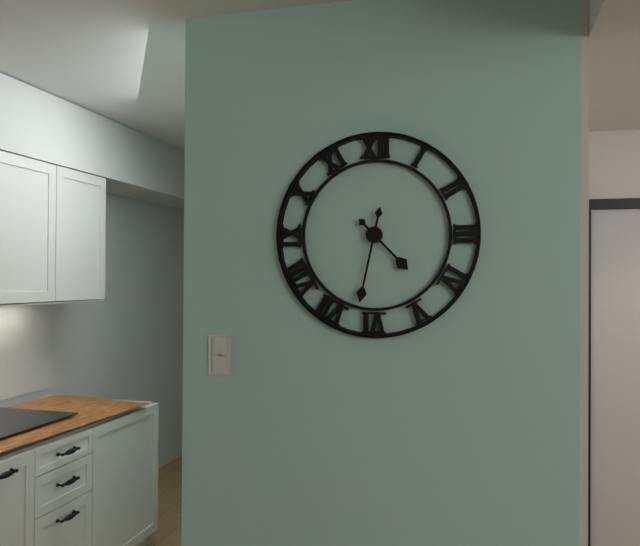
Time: {"hour": 4, "minute": 32}
